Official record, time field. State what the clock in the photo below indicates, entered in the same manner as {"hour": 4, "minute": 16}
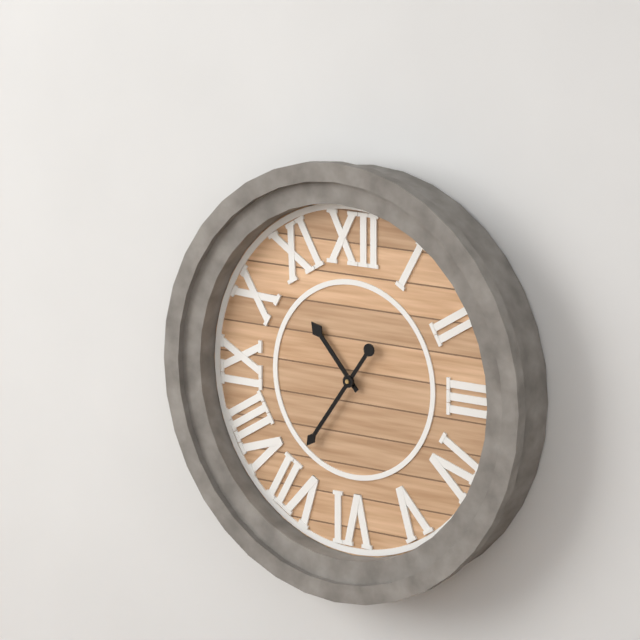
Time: {"hour": 10, "minute": 36}
